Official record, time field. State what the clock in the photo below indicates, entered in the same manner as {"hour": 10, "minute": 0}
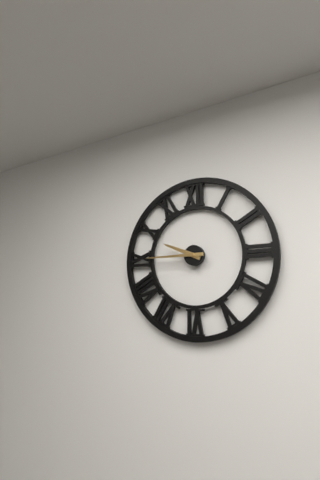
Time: {"hour": 9, "minute": 45}
